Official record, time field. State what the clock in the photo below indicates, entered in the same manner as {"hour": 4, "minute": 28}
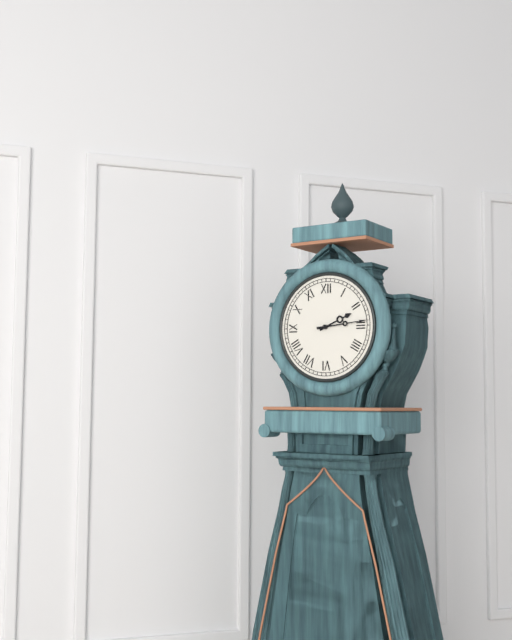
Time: {"hour": 2, "minute": 14}
